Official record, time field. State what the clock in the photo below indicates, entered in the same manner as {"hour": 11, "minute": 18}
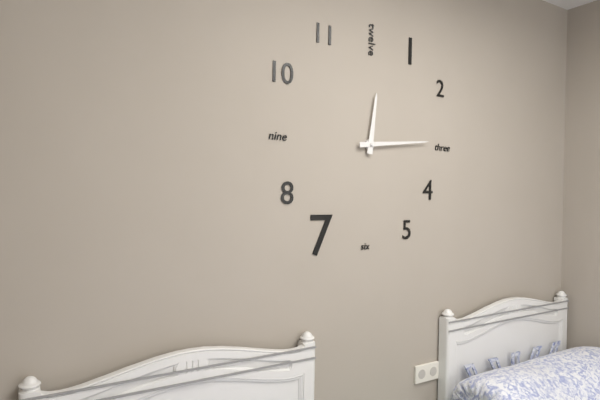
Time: {"hour": 12, "minute": 14}
